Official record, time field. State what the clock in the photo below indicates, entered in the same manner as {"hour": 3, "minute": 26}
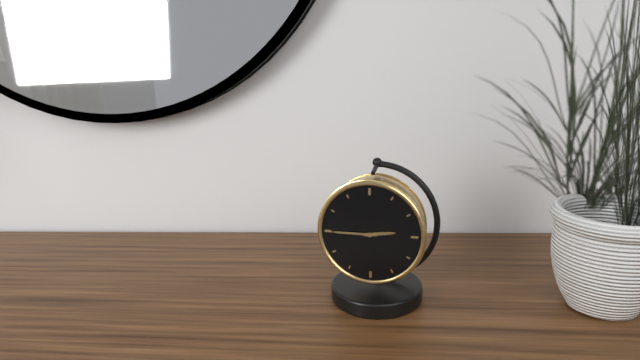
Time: {"hour": 2, "minute": 45}
